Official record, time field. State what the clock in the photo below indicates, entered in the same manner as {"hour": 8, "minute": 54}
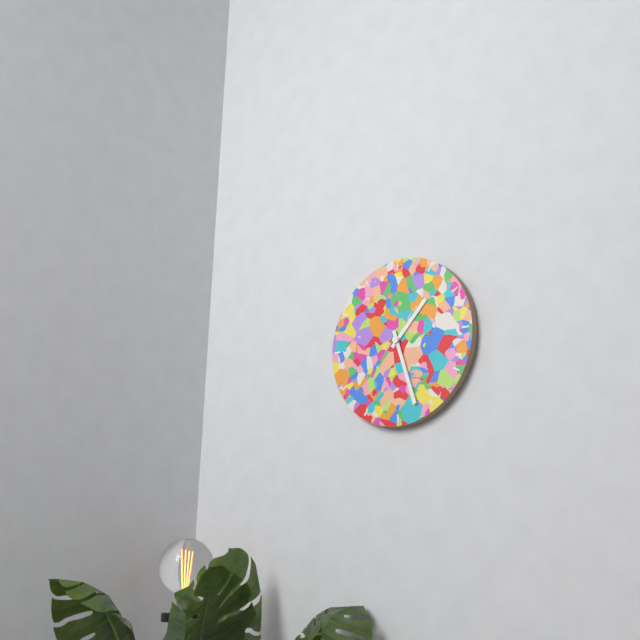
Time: {"hour": 1, "minute": 27}
